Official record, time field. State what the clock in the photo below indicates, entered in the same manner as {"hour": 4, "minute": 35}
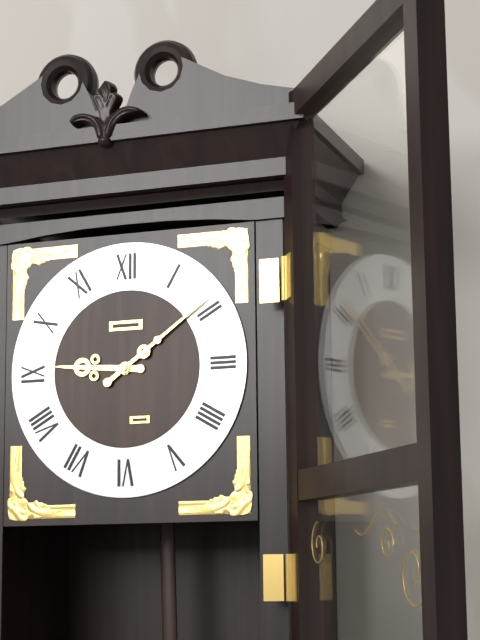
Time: {"hour": 9, "minute": 9}
